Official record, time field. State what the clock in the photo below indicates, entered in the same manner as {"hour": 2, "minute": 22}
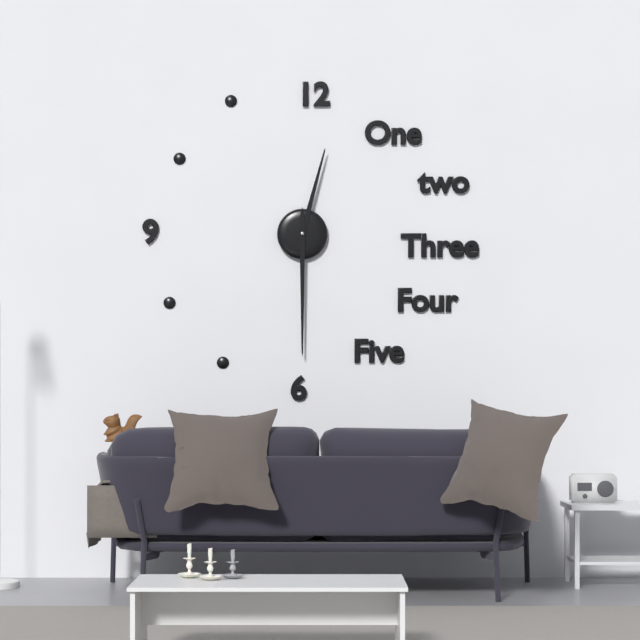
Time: {"hour": 12, "minute": 30}
